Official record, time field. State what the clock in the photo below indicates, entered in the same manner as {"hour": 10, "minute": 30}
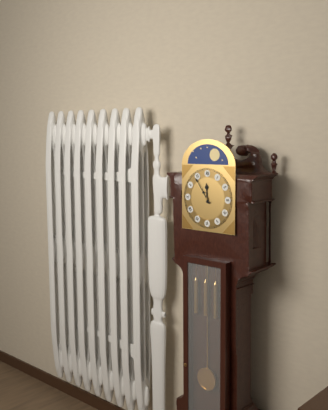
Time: {"hour": 11, "minute": 54}
